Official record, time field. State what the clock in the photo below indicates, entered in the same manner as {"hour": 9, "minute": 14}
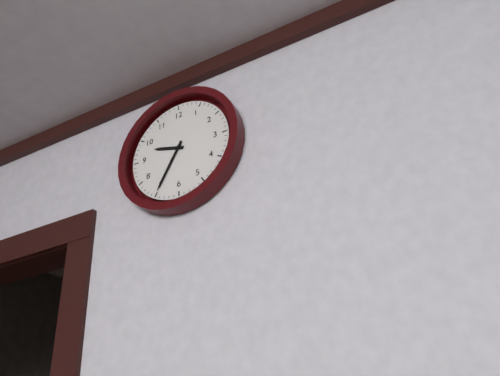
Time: {"hour": 9, "minute": 35}
